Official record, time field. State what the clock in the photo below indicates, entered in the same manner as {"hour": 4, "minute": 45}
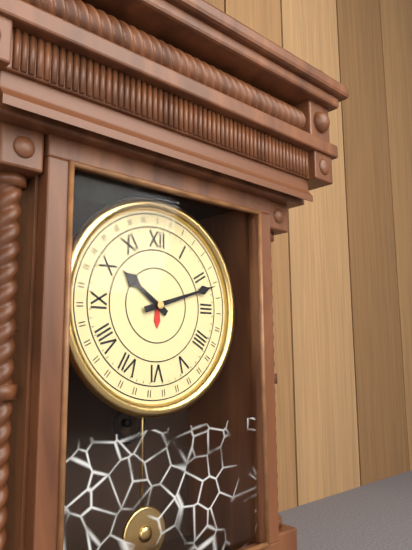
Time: {"hour": 10, "minute": 12}
